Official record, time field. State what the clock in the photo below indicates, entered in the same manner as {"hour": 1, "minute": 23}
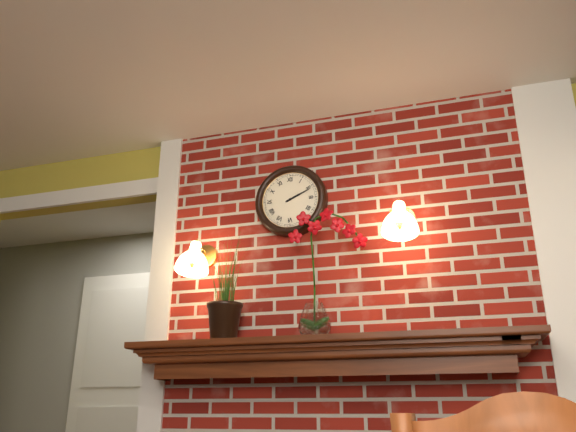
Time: {"hour": 2, "minute": 11}
